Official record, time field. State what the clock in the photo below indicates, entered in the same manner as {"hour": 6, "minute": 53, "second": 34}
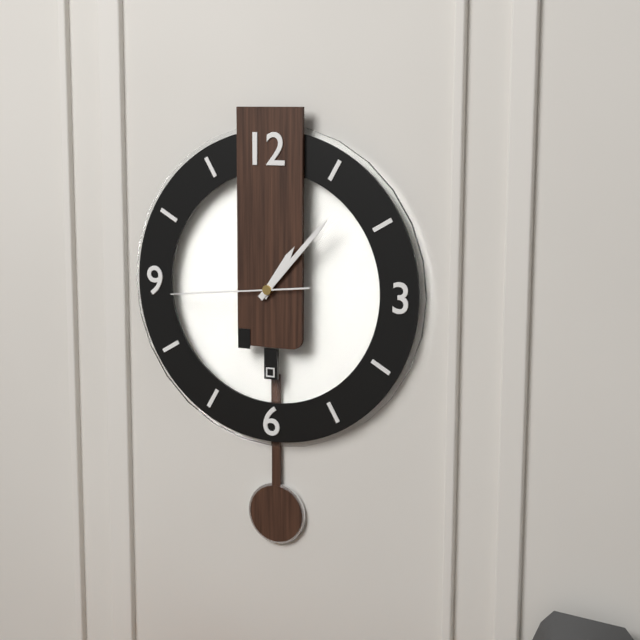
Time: {"hour": 1, "minute": 7, "second": 44}
